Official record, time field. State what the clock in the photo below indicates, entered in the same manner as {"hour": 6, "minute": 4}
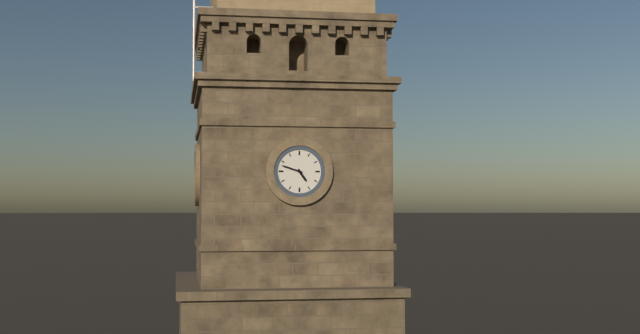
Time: {"hour": 4, "minute": 48}
